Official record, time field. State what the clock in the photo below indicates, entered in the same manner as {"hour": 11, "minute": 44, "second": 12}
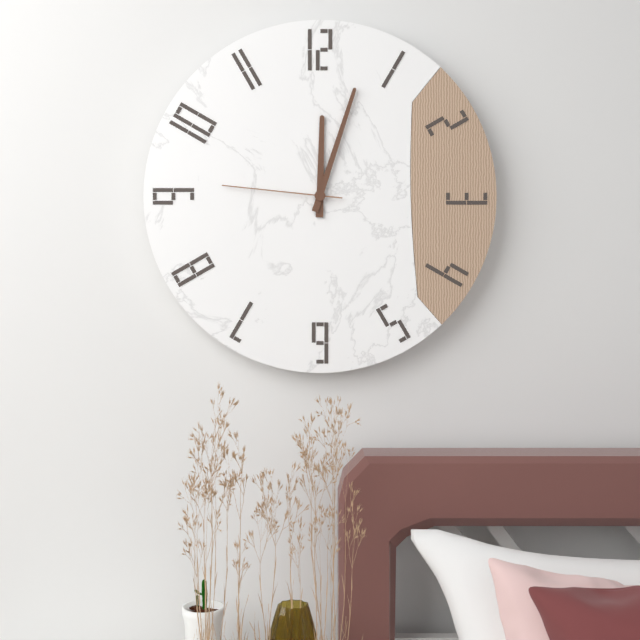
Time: {"hour": 12, "minute": 3, "second": 46}
